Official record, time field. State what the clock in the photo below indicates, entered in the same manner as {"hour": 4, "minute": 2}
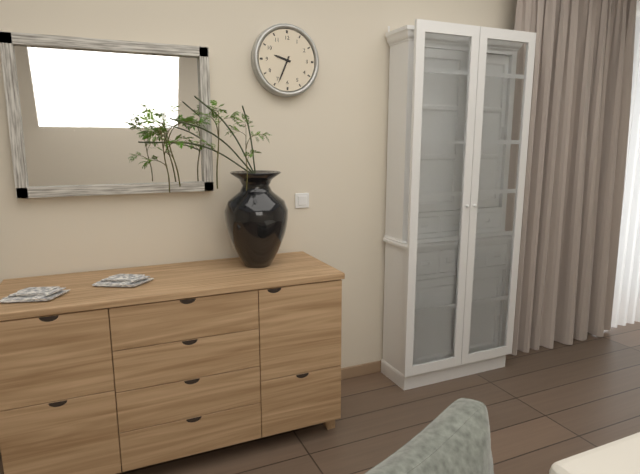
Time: {"hour": 9, "minute": 34}
